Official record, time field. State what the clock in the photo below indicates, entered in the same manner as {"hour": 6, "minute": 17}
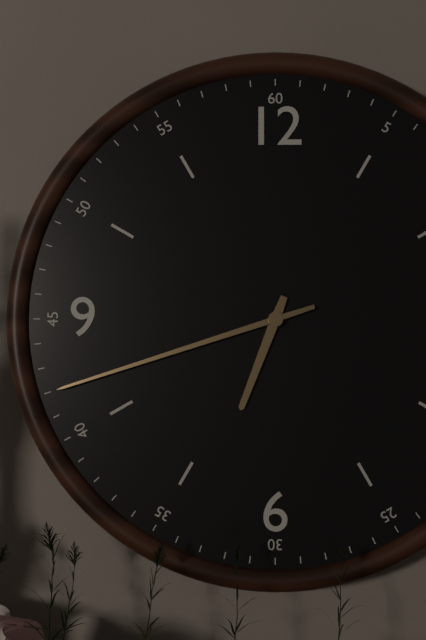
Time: {"hour": 6, "minute": 42}
